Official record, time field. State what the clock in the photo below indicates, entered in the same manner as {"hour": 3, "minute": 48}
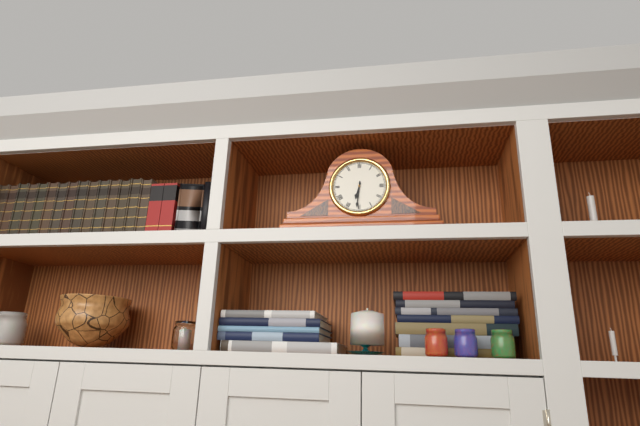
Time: {"hour": 6, "minute": 31}
